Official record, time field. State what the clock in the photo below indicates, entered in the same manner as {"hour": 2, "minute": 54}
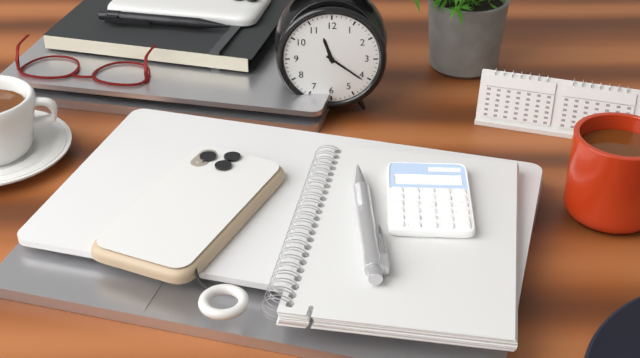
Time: {"hour": 11, "minute": 21}
